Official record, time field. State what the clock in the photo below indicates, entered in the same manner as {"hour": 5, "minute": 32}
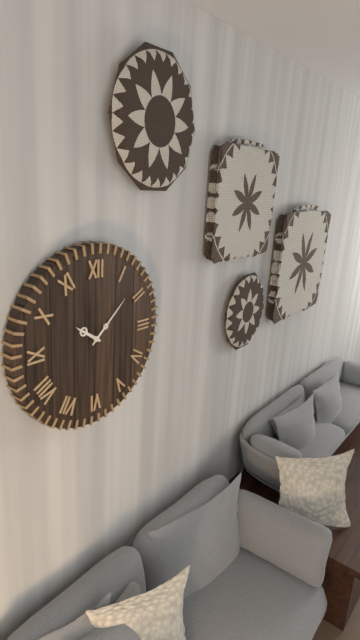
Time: {"hour": 10, "minute": 8}
